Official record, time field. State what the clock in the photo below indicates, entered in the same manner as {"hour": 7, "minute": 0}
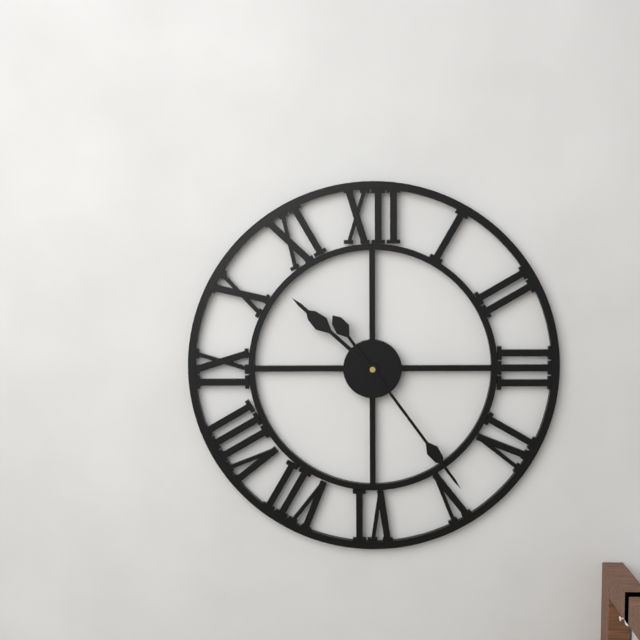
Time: {"hour": 10, "minute": 24}
